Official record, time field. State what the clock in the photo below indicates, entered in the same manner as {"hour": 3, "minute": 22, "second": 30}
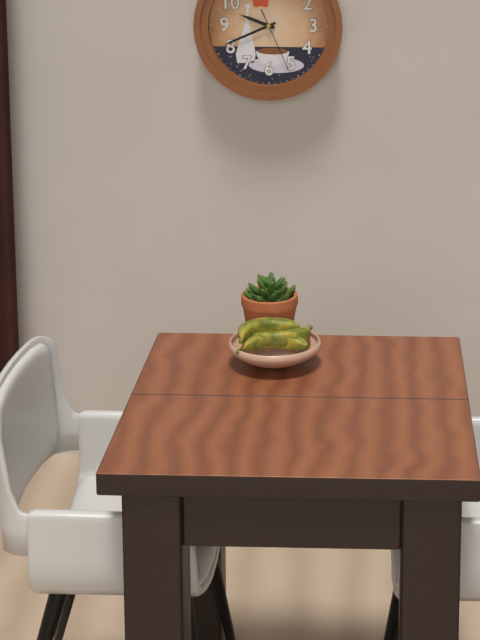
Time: {"hour": 9, "minute": 41, "second": 26}
